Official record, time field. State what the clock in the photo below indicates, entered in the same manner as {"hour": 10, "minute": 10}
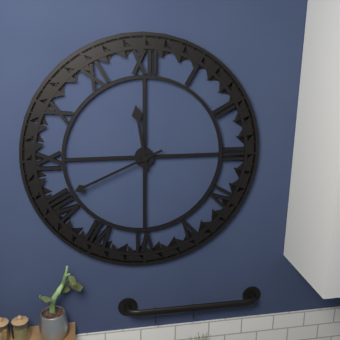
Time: {"hour": 11, "minute": 41}
